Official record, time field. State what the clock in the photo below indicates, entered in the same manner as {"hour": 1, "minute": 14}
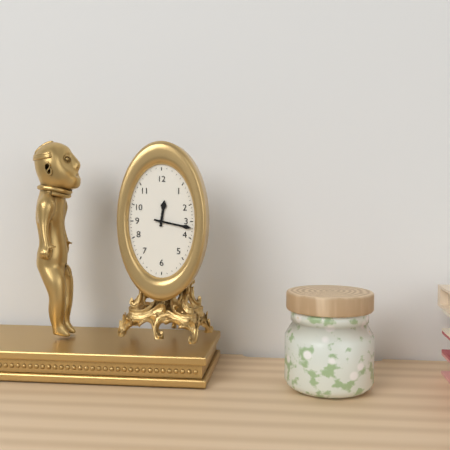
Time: {"hour": 12, "minute": 17}
